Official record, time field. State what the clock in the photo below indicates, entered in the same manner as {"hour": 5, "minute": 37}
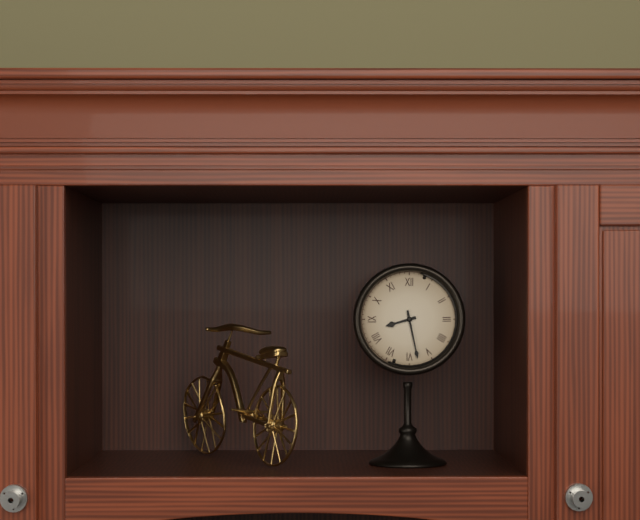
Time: {"hour": 8, "minute": 28}
